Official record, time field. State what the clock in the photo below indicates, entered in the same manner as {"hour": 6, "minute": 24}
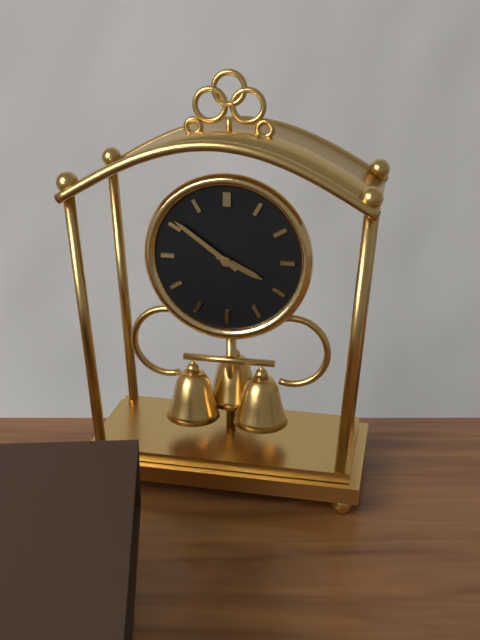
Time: {"hour": 3, "minute": 51}
